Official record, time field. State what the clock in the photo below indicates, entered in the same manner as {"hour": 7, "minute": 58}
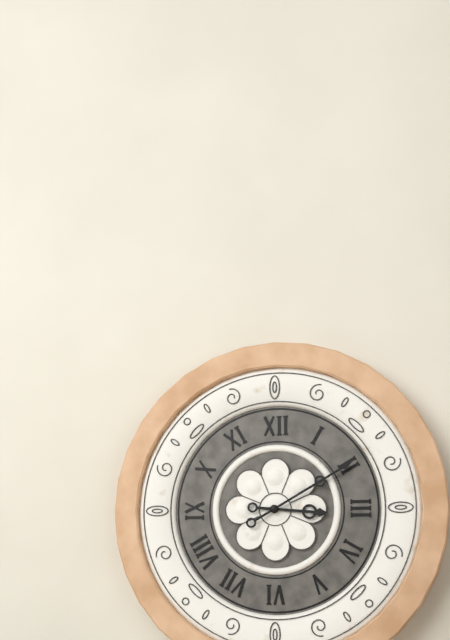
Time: {"hour": 3, "minute": 10}
